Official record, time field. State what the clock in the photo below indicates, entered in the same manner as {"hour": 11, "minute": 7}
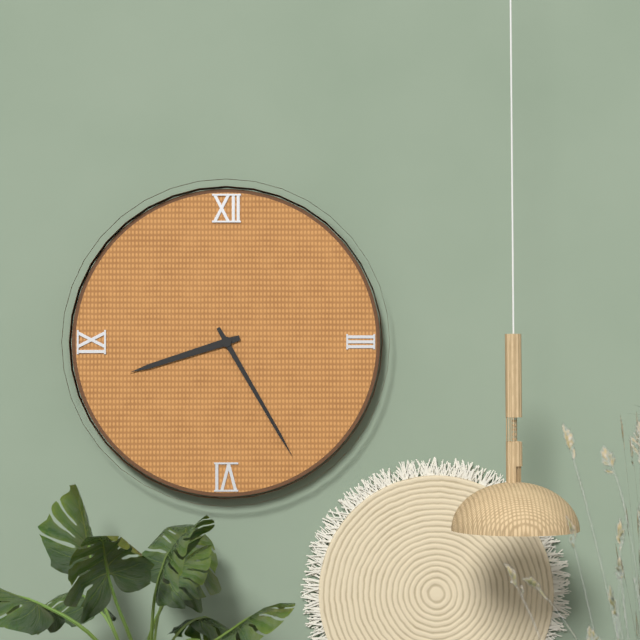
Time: {"hour": 8, "minute": 25}
